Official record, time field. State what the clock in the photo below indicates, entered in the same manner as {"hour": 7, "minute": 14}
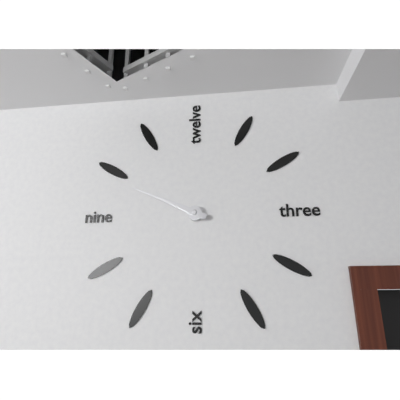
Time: {"hour": 9, "minute": 49}
